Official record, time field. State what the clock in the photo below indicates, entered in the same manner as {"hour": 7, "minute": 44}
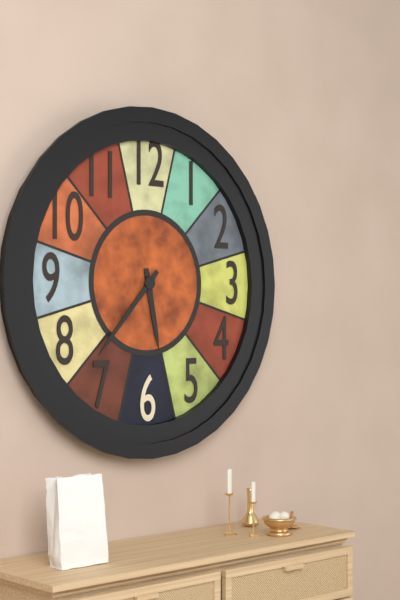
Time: {"hour": 5, "minute": 37}
